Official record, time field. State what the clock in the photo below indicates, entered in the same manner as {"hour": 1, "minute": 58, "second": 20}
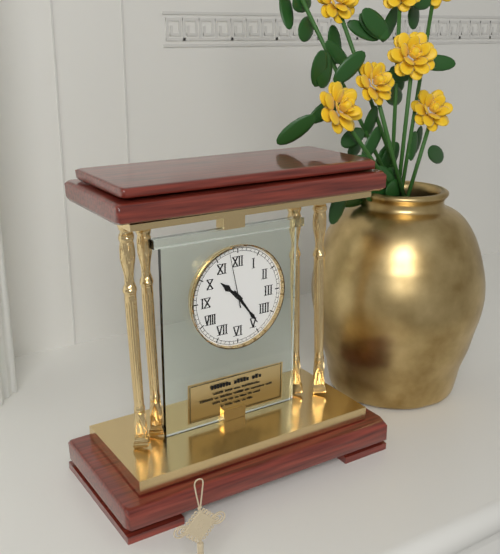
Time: {"hour": 10, "minute": 24, "second": 58}
